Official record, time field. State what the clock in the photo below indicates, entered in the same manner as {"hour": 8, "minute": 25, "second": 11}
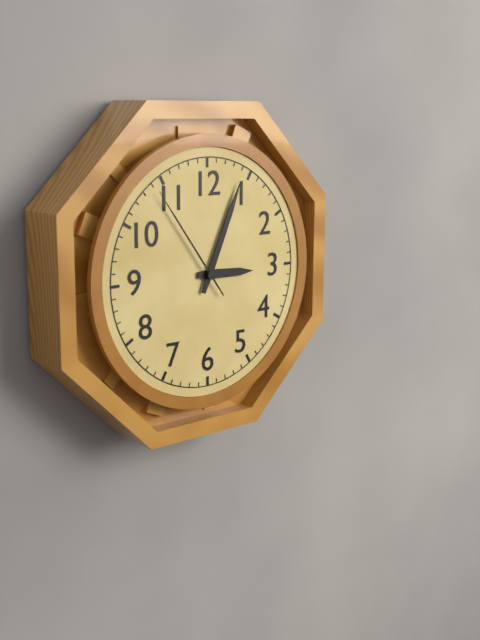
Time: {"hour": 3, "minute": 4, "second": 54}
